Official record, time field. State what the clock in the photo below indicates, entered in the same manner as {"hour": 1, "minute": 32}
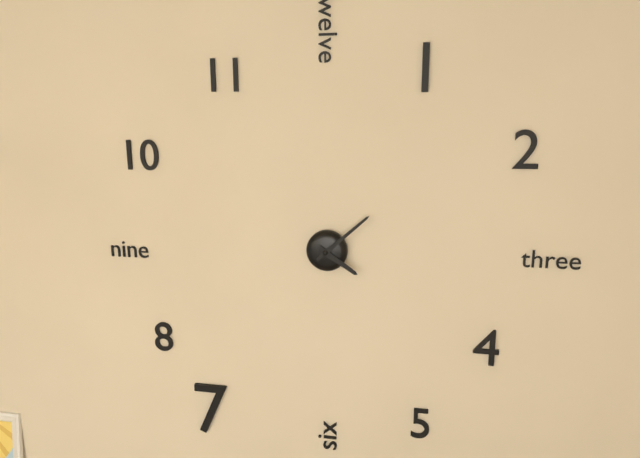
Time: {"hour": 4, "minute": 8}
